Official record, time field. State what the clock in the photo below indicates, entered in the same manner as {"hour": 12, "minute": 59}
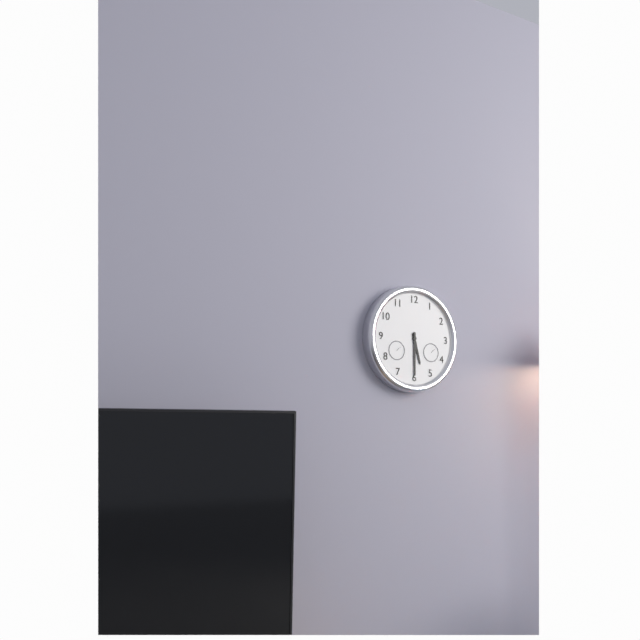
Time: {"hour": 5, "minute": 30}
